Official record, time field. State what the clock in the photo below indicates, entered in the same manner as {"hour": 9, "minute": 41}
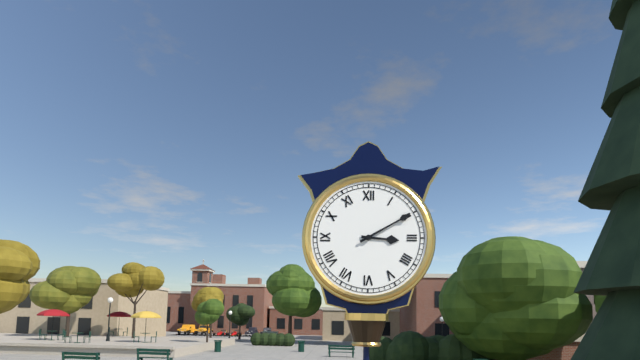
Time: {"hour": 3, "minute": 10}
